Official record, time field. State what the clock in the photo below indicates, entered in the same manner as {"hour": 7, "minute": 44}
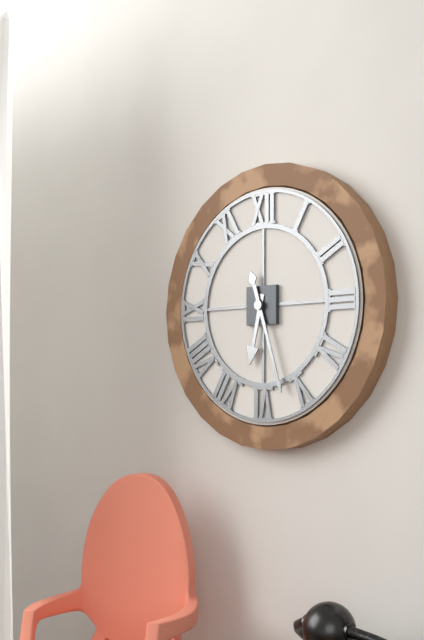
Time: {"hour": 6, "minute": 27}
